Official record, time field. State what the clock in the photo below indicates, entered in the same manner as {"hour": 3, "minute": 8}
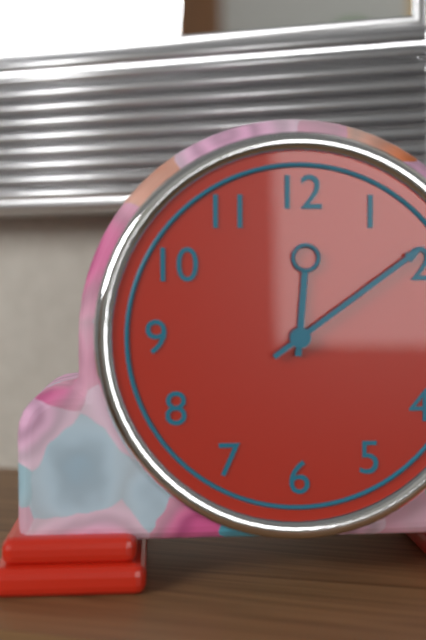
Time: {"hour": 12, "minute": 9}
